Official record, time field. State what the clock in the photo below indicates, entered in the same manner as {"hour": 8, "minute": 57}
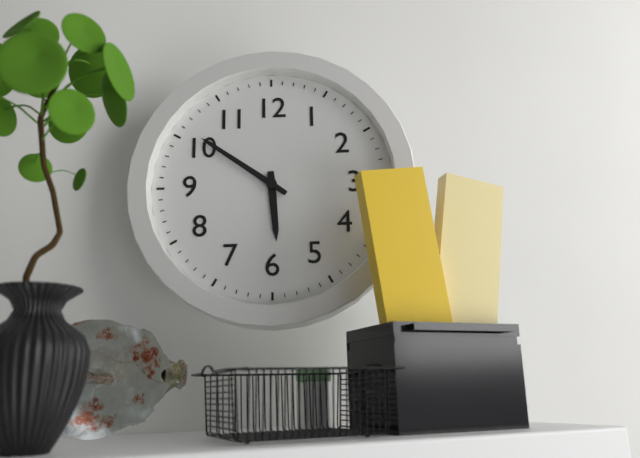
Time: {"hour": 5, "minute": 51}
